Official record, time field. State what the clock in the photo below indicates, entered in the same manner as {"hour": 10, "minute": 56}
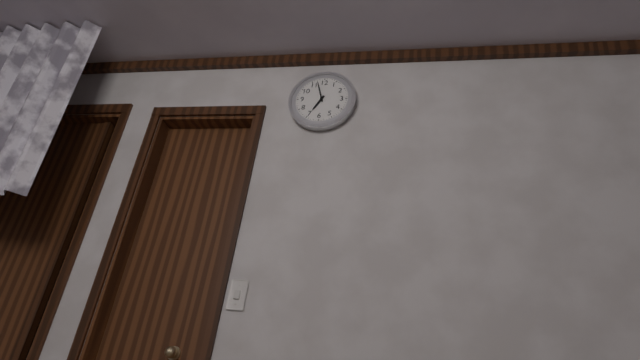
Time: {"hour": 6, "minute": 57}
